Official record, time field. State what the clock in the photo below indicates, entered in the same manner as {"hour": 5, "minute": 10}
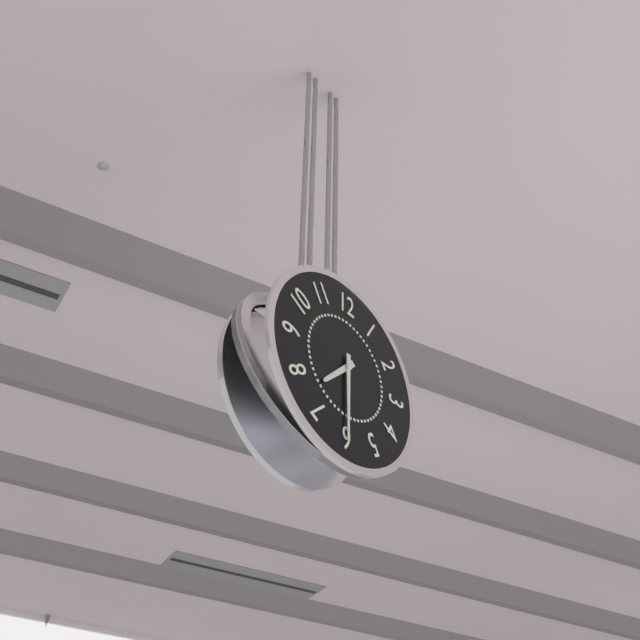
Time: {"hour": 7, "minute": 30}
